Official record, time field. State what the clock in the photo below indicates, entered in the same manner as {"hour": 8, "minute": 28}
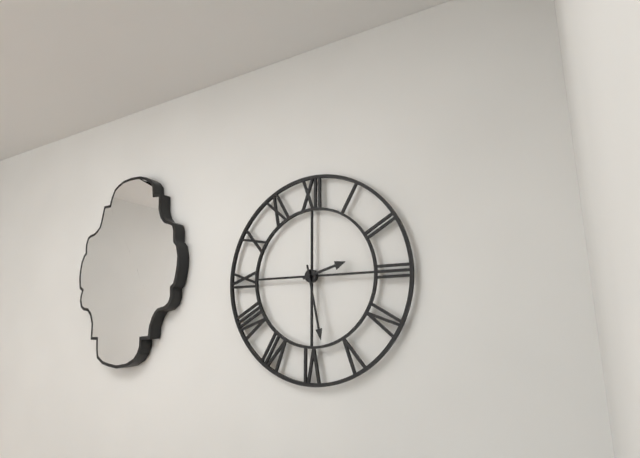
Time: {"hour": 2, "minute": 28}
